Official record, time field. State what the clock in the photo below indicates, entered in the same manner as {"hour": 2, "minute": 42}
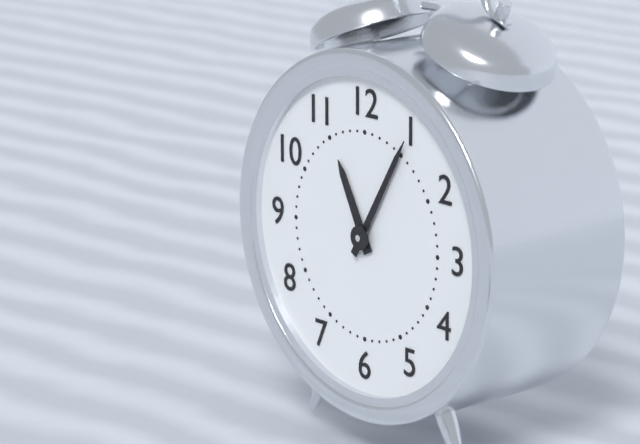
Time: {"hour": 11, "minute": 5}
